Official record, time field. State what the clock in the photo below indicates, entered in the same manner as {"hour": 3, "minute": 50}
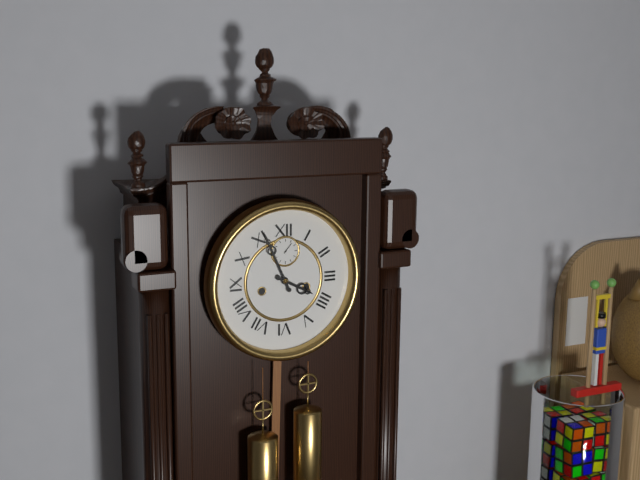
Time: {"hour": 3, "minute": 56}
